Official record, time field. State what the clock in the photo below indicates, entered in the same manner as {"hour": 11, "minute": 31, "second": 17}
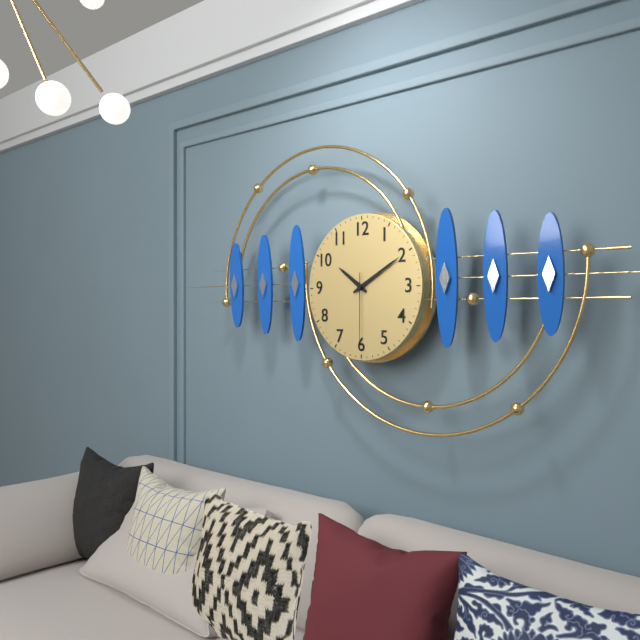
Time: {"hour": 10, "minute": 10, "second": 30}
